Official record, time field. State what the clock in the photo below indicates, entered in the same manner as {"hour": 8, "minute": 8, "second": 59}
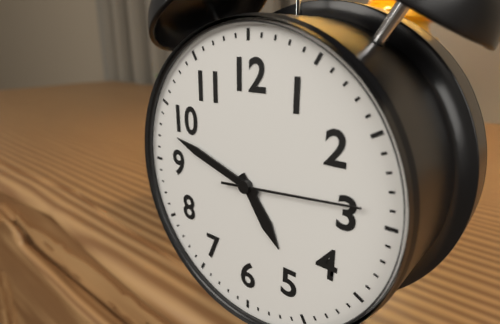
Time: {"hour": 4, "minute": 48, "second": 14}
